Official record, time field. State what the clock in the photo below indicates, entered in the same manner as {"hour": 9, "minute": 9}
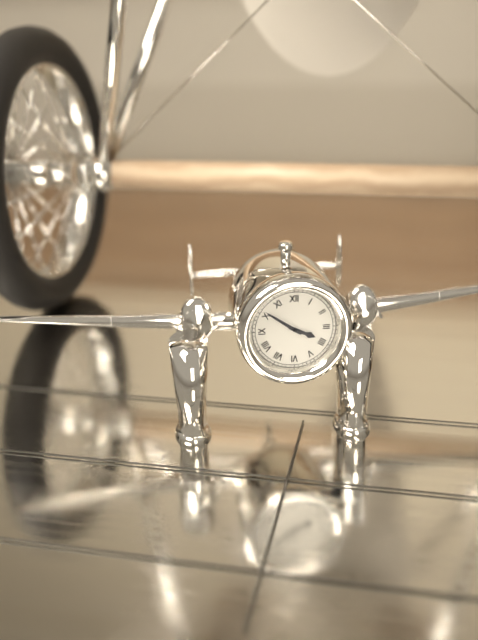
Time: {"hour": 3, "minute": 51}
